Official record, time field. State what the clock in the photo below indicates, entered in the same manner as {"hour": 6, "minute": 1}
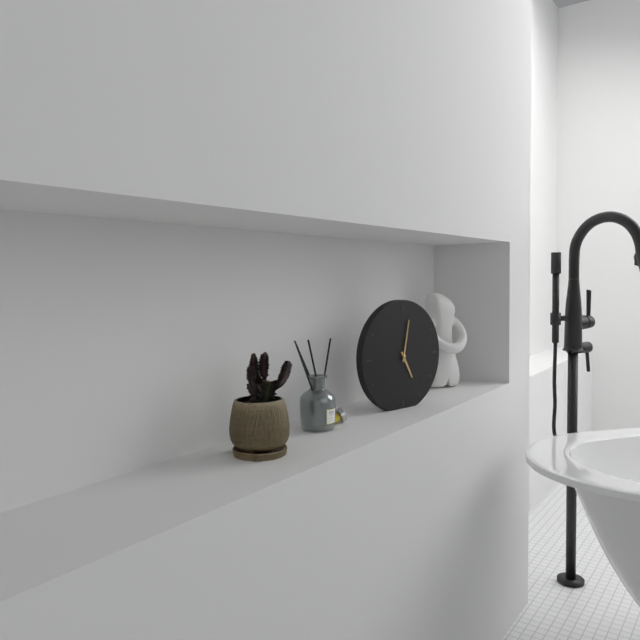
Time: {"hour": 5, "minute": 2}
